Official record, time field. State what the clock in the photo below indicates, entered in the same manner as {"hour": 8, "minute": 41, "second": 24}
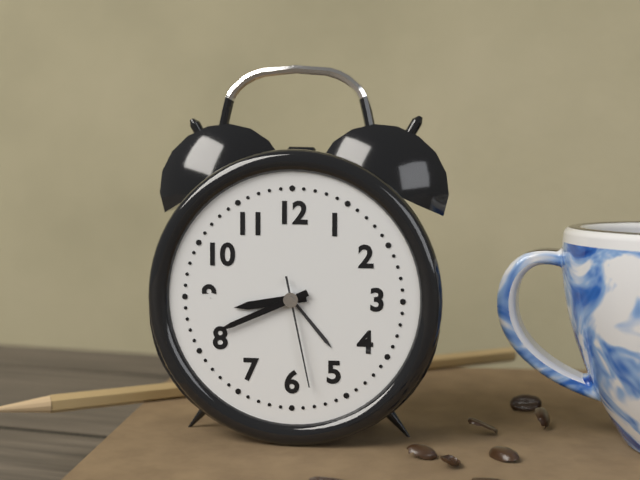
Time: {"hour": 8, "minute": 41, "second": 28}
